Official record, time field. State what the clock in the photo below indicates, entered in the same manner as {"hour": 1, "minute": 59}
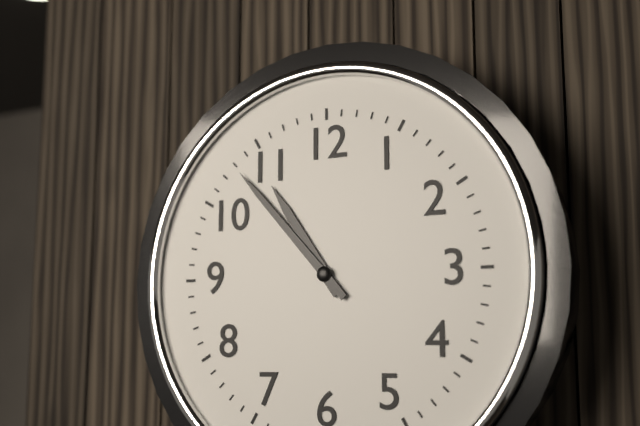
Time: {"hour": 10, "minute": 53}
